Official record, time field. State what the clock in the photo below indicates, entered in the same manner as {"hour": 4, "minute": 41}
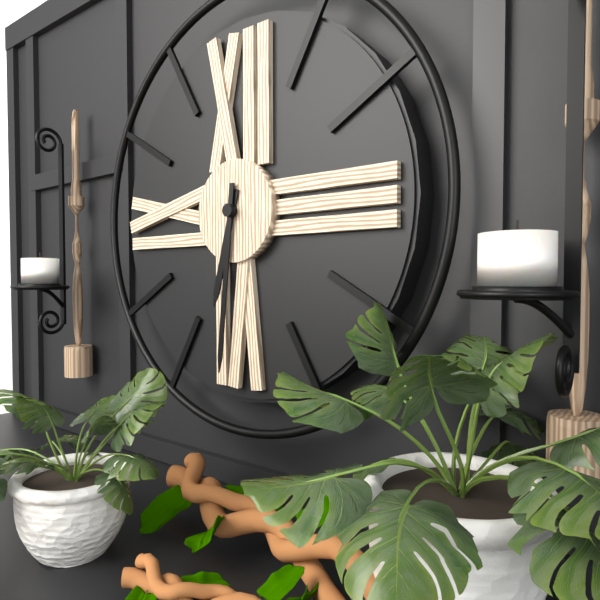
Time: {"hour": 6, "minute": 31}
